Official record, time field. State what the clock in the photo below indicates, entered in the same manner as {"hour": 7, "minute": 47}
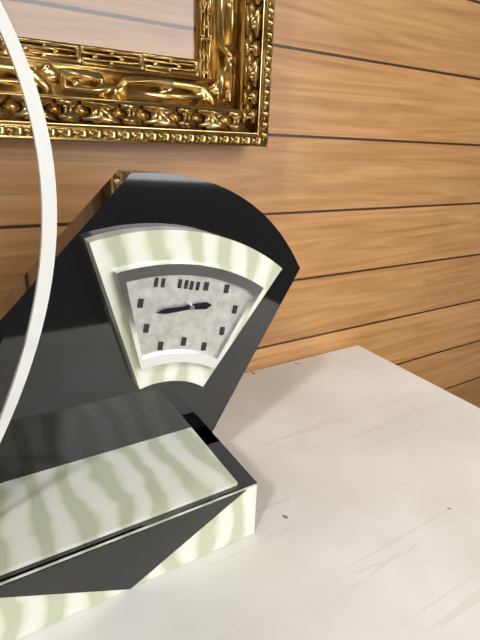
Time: {"hour": 2, "minute": 43}
